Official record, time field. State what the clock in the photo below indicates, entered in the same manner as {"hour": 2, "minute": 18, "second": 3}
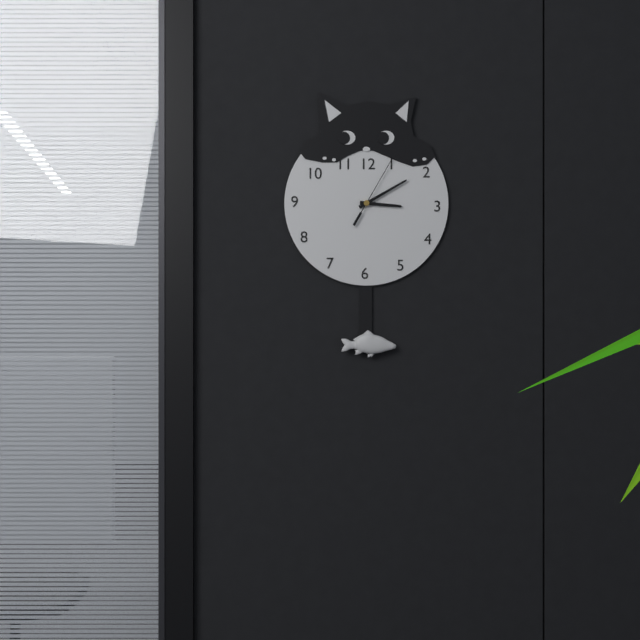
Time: {"hour": 3, "minute": 10, "second": 5}
